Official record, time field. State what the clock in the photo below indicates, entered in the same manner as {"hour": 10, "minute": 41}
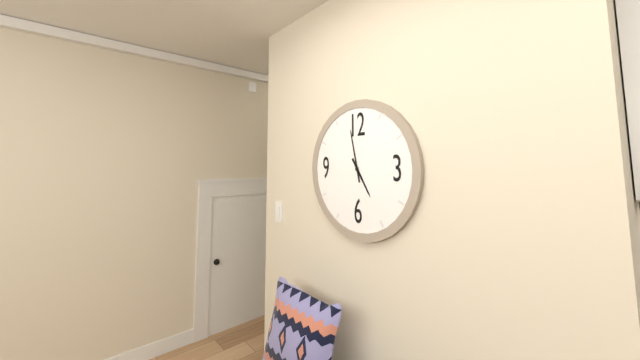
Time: {"hour": 4, "minute": 58}
